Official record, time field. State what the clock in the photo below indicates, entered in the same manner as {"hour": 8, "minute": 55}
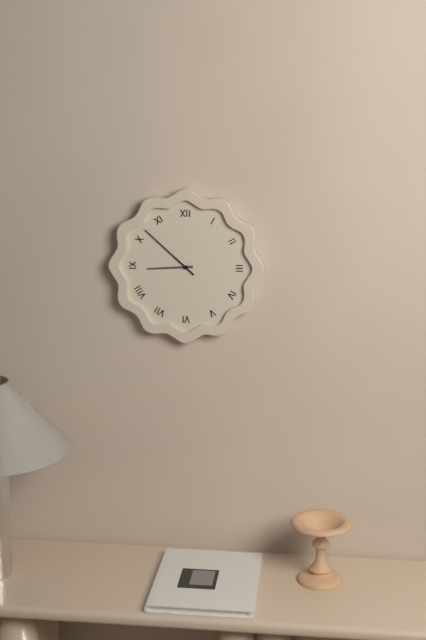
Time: {"hour": 8, "minute": 52}
